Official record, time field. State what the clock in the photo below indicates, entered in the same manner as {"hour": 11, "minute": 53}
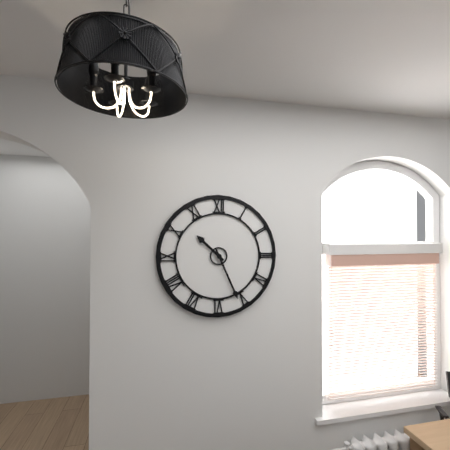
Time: {"hour": 10, "minute": 26}
